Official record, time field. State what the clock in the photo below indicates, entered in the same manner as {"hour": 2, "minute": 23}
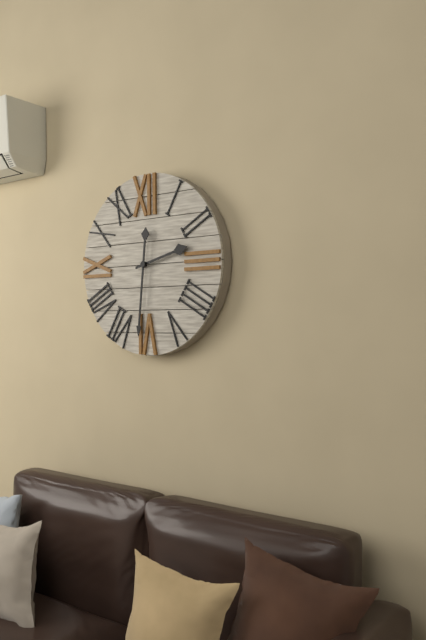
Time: {"hour": 2, "minute": 31}
